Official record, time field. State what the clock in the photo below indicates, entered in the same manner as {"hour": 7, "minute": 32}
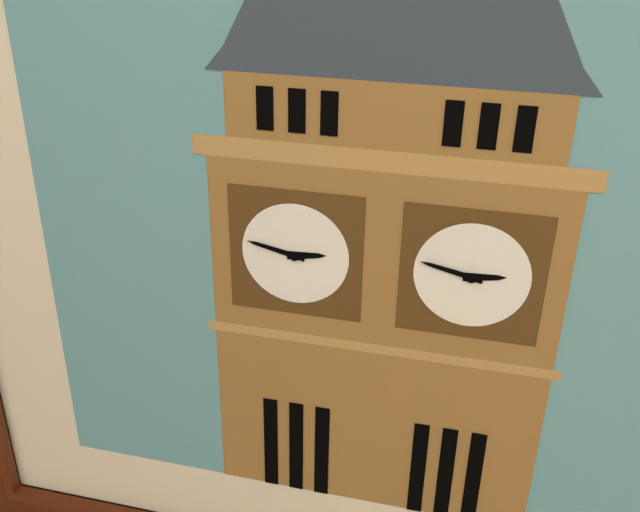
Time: {"hour": 2, "minute": 47}
